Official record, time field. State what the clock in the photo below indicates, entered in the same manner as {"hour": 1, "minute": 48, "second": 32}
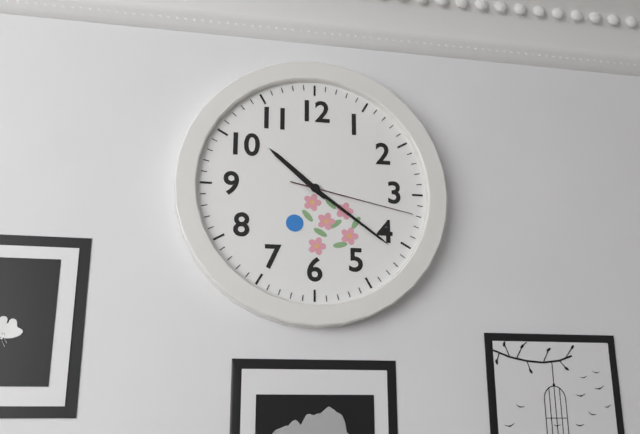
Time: {"hour": 10, "minute": 21, "second": 17}
